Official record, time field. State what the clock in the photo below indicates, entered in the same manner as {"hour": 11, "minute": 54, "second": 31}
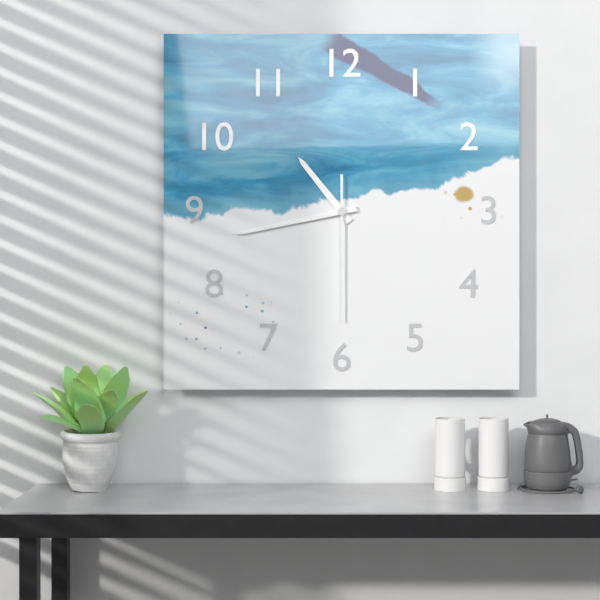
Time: {"hour": 10, "minute": 43, "second": 30}
